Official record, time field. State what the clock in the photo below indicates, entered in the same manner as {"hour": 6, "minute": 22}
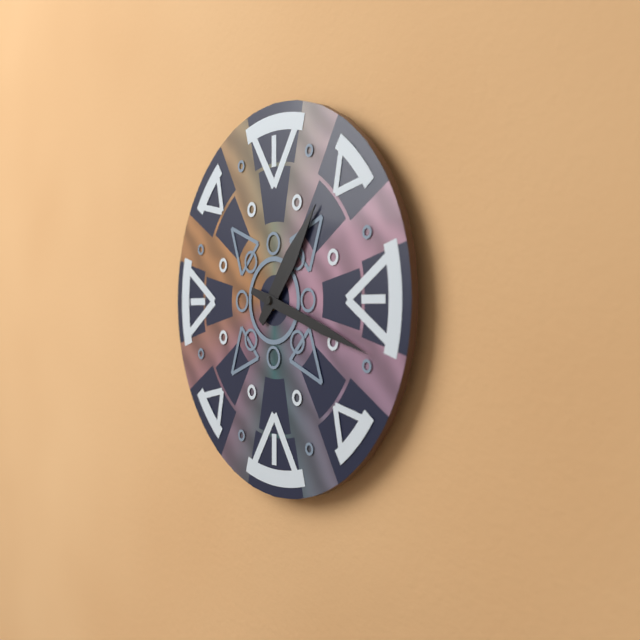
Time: {"hour": 1, "minute": 18}
